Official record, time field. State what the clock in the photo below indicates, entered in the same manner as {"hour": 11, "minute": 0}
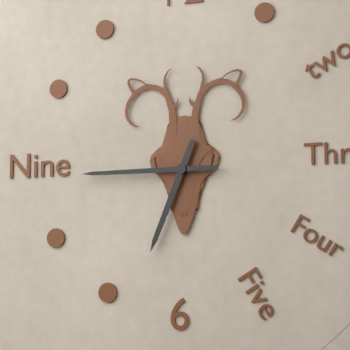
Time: {"hour": 6, "minute": 45}
